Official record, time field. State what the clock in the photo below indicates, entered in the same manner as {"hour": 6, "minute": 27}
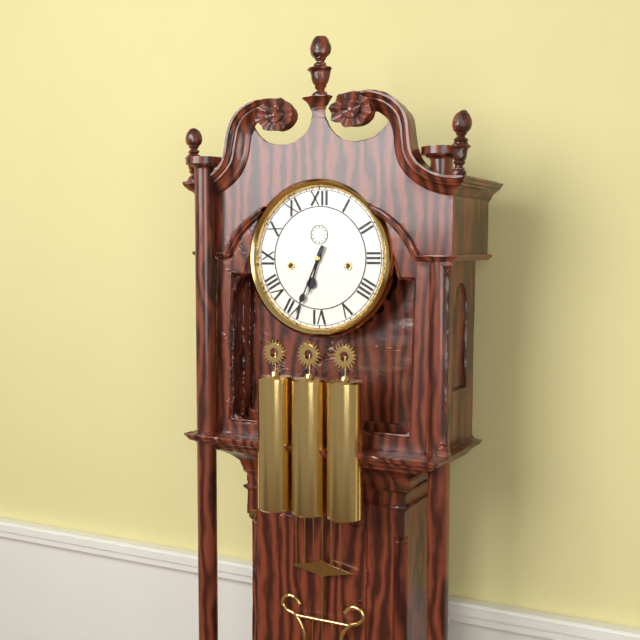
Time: {"hour": 6, "minute": 34}
